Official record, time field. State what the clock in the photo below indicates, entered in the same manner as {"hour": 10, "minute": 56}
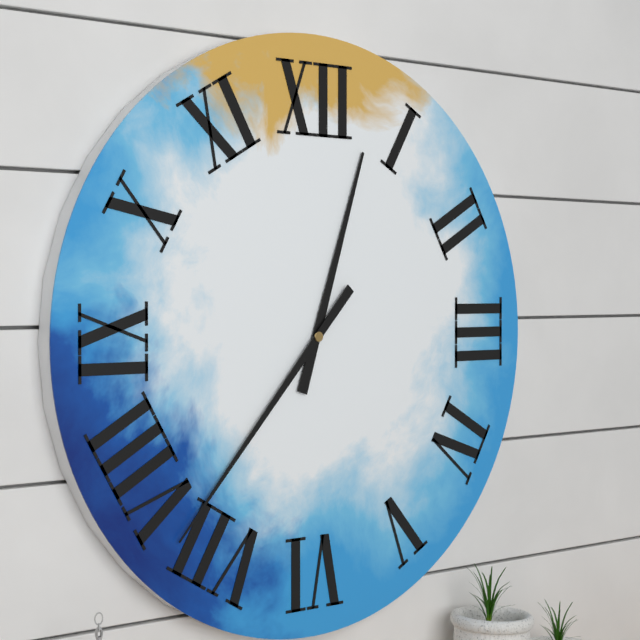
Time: {"hour": 12, "minute": 37}
